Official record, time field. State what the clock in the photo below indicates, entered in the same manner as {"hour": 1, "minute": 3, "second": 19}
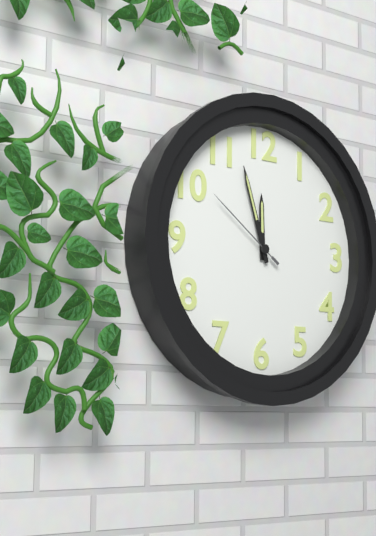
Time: {"hour": 11, "minute": 57, "second": 51}
